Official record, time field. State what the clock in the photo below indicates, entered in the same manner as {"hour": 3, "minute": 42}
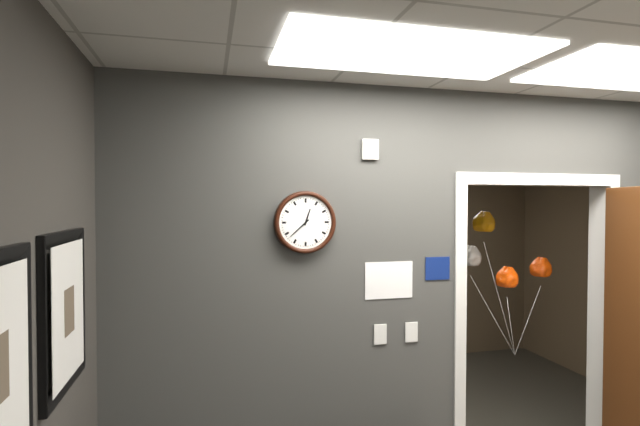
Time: {"hour": 12, "minute": 38}
